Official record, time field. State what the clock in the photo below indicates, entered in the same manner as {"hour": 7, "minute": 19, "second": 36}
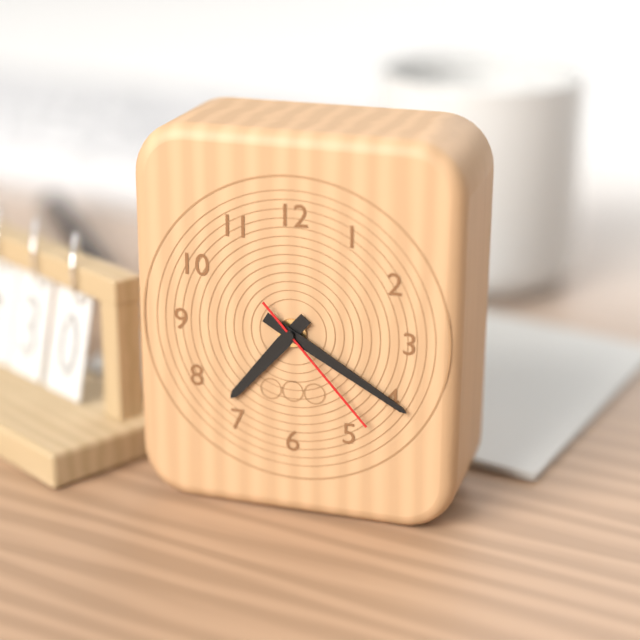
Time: {"hour": 7, "minute": 20, "second": 23}
